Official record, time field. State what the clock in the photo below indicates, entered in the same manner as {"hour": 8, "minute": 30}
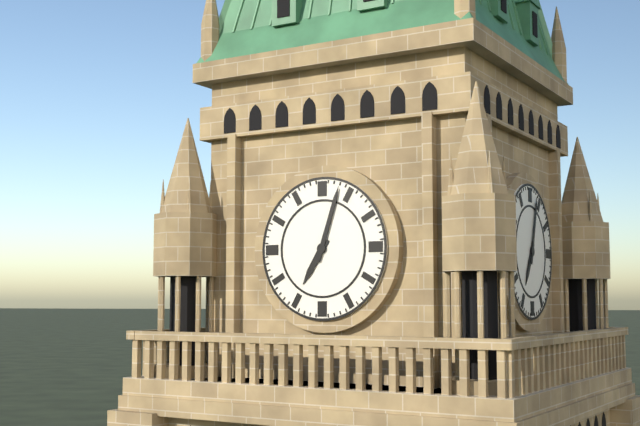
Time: {"hour": 7, "minute": 3}
